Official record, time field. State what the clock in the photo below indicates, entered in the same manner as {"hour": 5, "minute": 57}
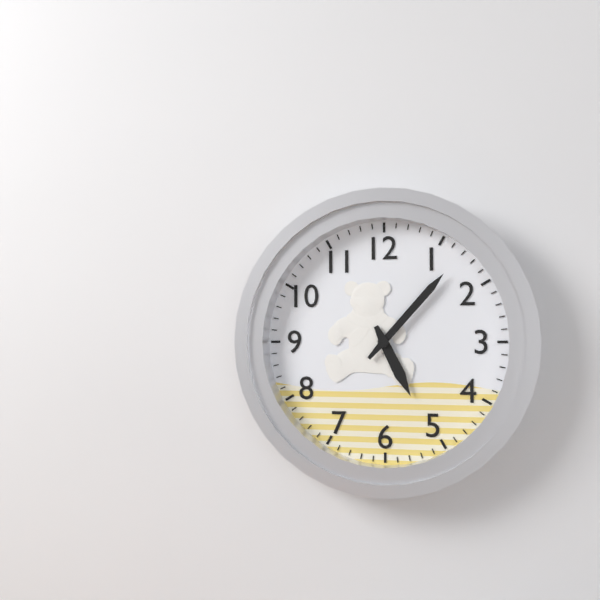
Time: {"hour": 5, "minute": 7}
